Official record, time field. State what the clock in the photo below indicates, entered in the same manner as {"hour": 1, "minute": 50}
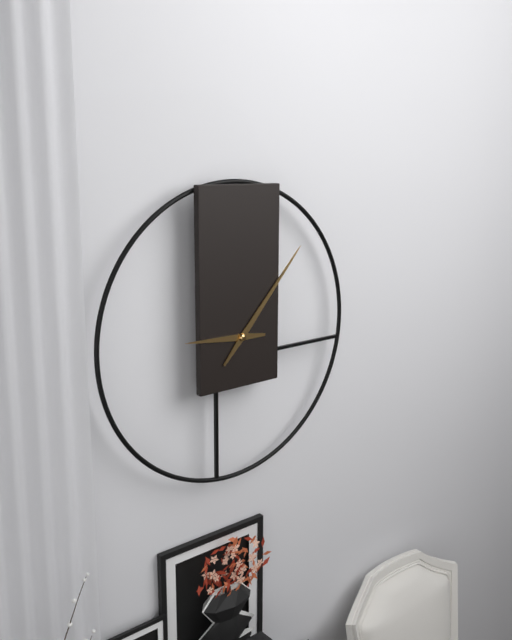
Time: {"hour": 9, "minute": 7}
